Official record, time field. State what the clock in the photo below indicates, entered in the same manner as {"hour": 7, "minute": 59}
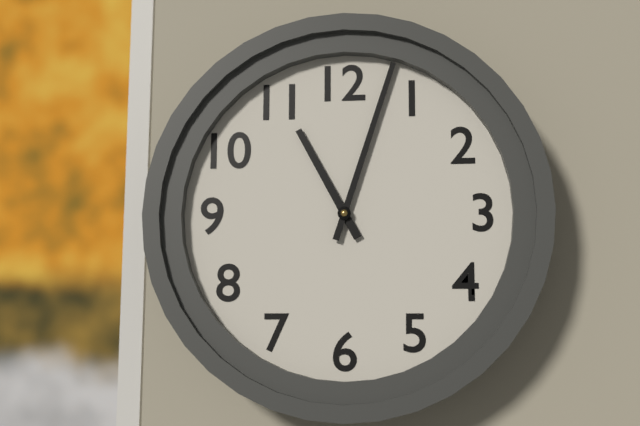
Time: {"hour": 11, "minute": 3}
